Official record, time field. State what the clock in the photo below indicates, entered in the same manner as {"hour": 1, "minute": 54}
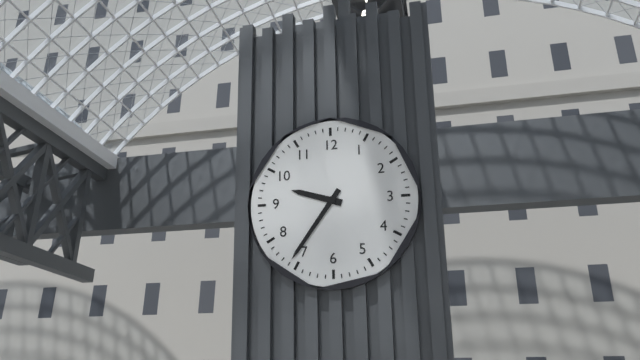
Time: {"hour": 9, "minute": 36}
